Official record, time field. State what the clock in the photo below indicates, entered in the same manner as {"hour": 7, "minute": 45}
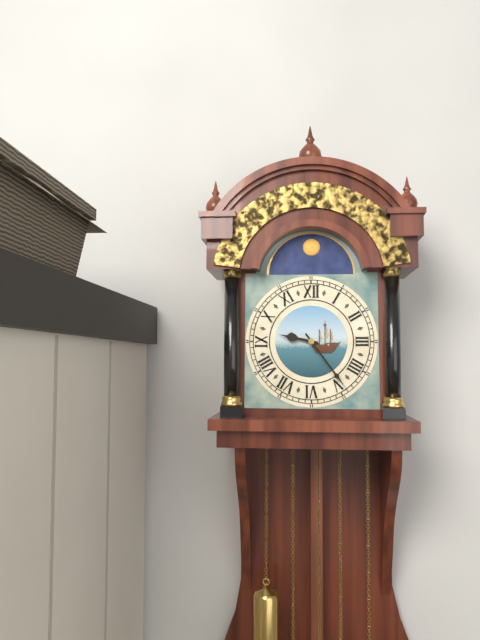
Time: {"hour": 9, "minute": 24}
